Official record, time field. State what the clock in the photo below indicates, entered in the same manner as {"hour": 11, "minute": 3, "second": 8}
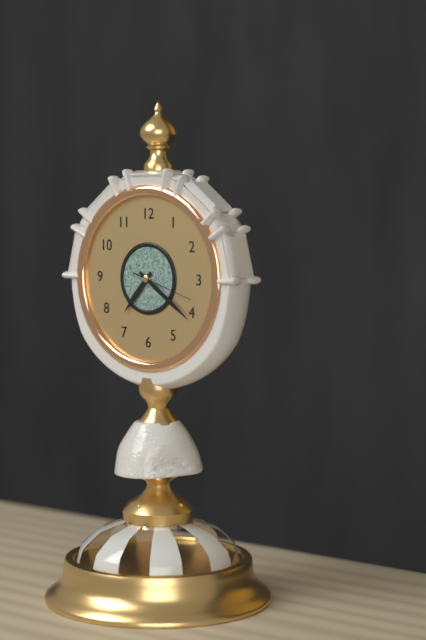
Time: {"hour": 7, "minute": 21, "second": 18}
